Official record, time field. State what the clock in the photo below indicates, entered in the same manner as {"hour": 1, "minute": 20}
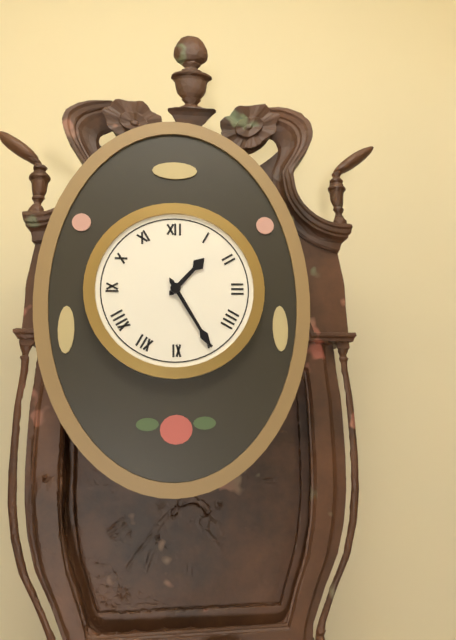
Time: {"hour": 1, "minute": 25}
